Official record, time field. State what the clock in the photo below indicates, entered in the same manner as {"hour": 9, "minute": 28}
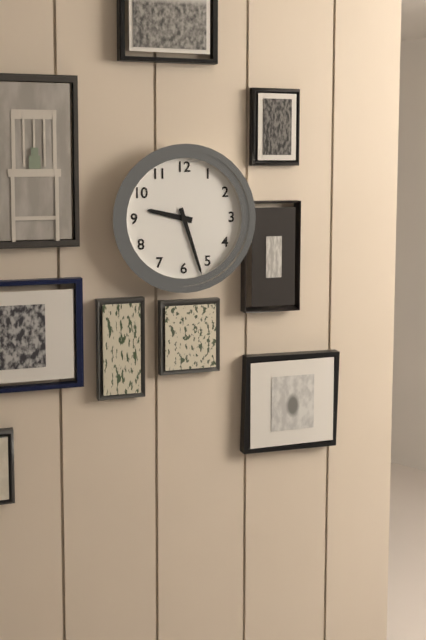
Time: {"hour": 9, "minute": 27}
